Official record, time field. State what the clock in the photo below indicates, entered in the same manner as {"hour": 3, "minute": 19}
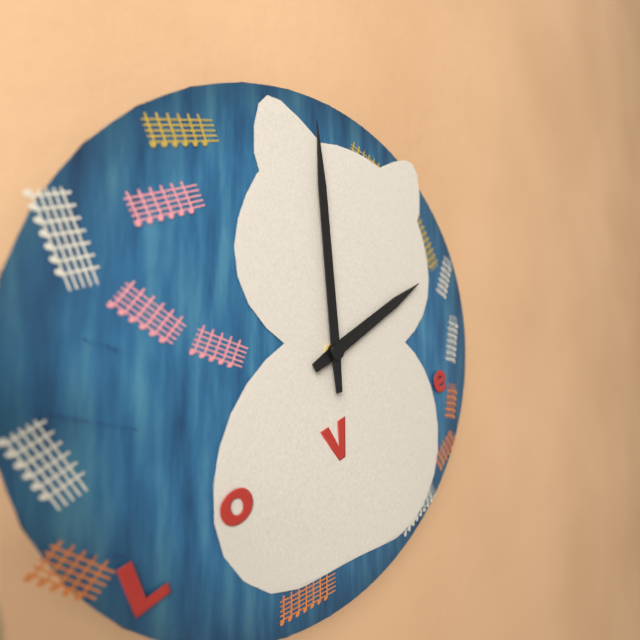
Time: {"hour": 1, "minute": 59}
